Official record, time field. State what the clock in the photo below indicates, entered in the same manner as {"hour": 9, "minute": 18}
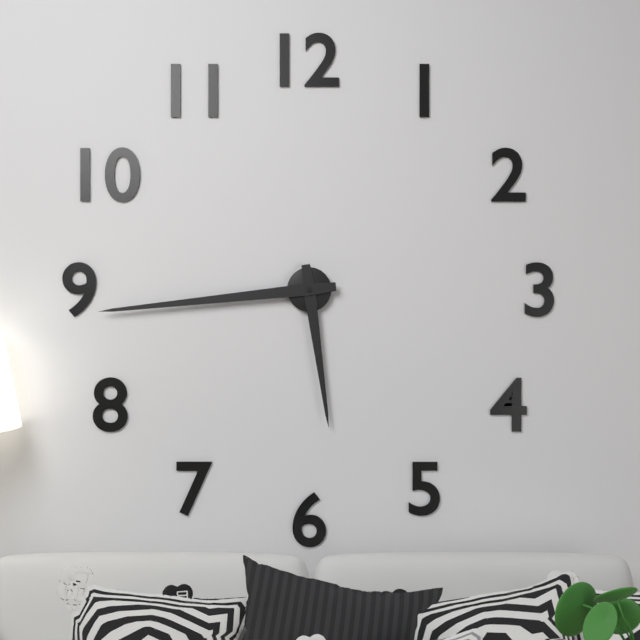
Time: {"hour": 5, "minute": 44}
